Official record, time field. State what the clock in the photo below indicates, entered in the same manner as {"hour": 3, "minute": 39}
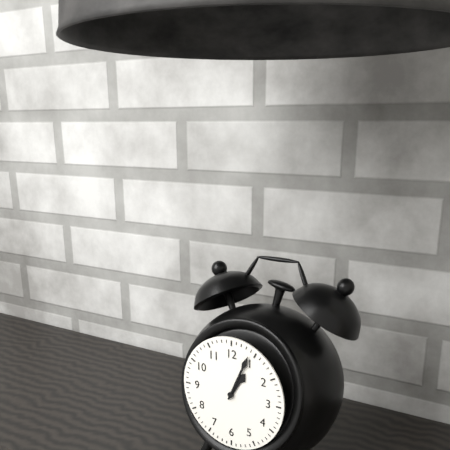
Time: {"hour": 1, "minute": 4}
